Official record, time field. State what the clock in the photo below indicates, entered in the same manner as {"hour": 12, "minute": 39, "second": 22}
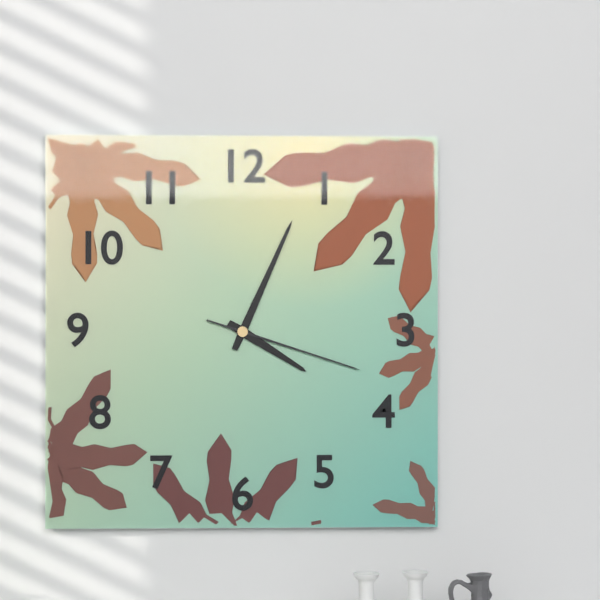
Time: {"hour": 4, "minute": 4, "second": 18}
